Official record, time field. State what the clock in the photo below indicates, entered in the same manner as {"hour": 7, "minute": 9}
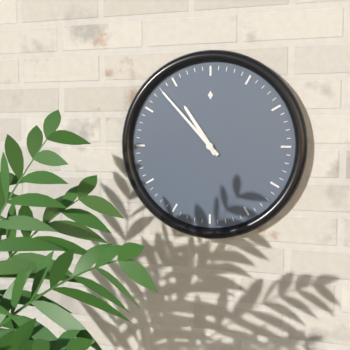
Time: {"hour": 10, "minute": 53}
